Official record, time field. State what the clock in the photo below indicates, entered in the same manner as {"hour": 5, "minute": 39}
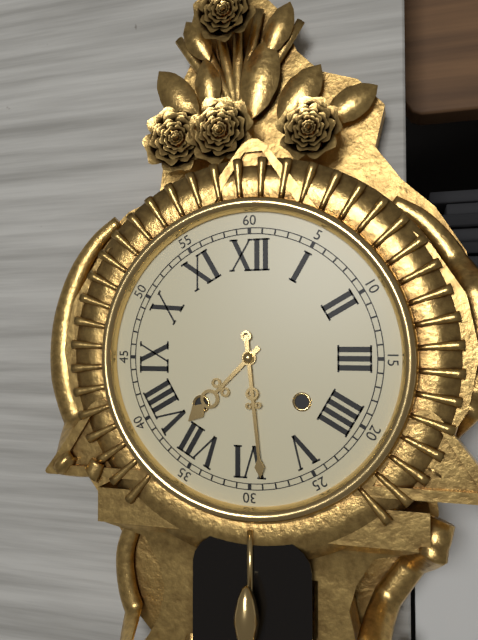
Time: {"hour": 7, "minute": 29}
